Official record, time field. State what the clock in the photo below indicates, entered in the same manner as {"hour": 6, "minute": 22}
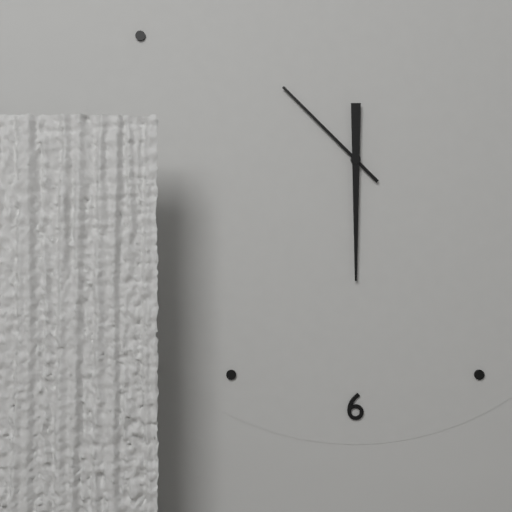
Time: {"hour": 10, "minute": 30}
